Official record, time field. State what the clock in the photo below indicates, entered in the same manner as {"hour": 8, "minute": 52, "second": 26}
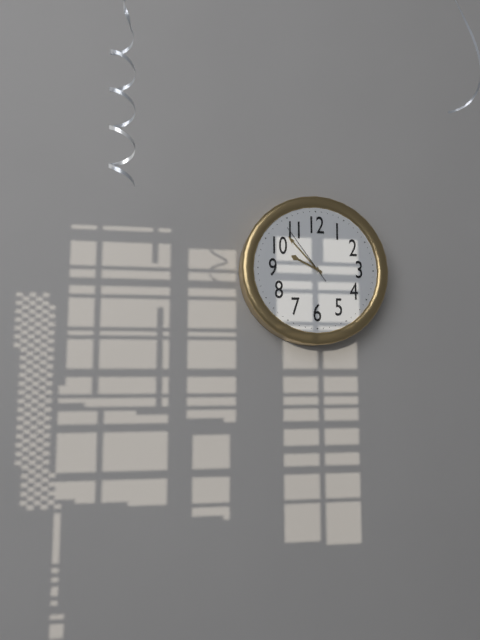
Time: {"hour": 9, "minute": 53, "second": 54}
